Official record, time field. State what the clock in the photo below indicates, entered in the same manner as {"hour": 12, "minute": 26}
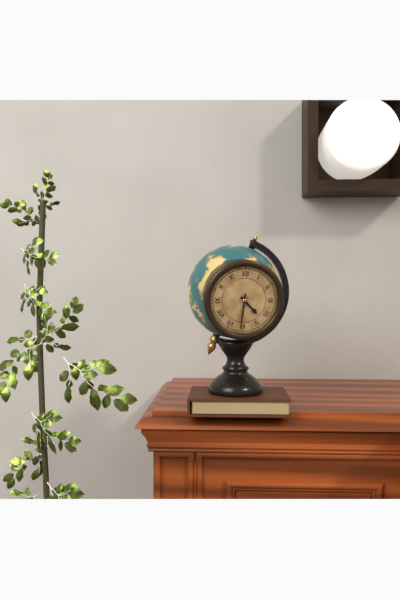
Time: {"hour": 4, "minute": 31}
